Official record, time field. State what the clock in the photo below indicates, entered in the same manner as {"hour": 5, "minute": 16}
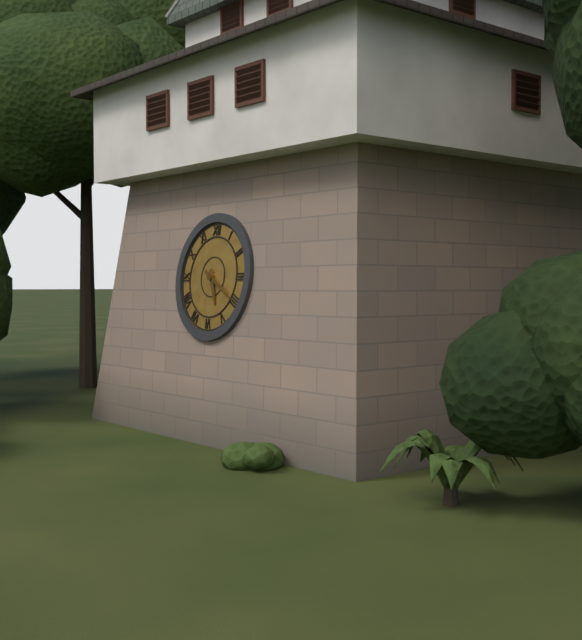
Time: {"hour": 5, "minute": 20}
